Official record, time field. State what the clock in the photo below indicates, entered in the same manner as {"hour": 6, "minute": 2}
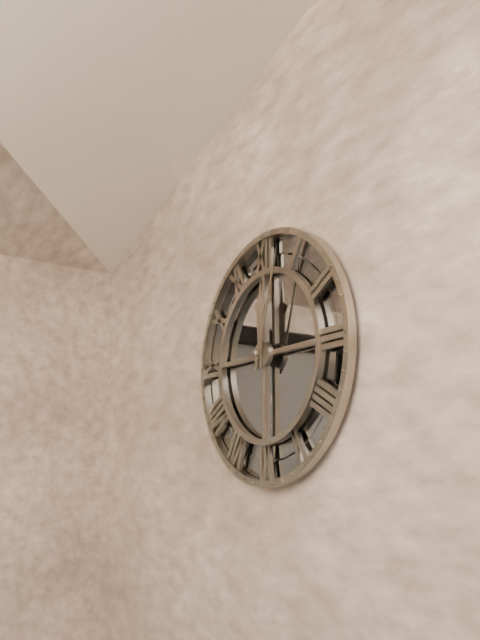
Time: {"hour": 12, "minute": 3}
